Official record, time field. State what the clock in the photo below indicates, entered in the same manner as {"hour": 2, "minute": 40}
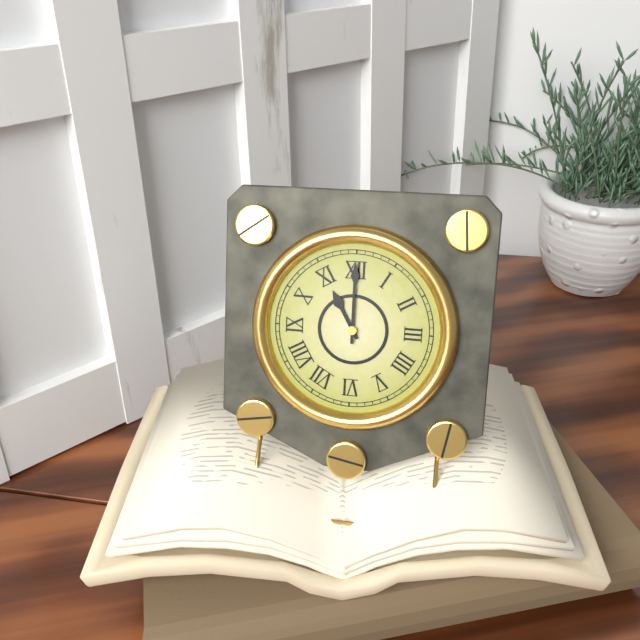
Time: {"hour": 11, "minute": 0}
